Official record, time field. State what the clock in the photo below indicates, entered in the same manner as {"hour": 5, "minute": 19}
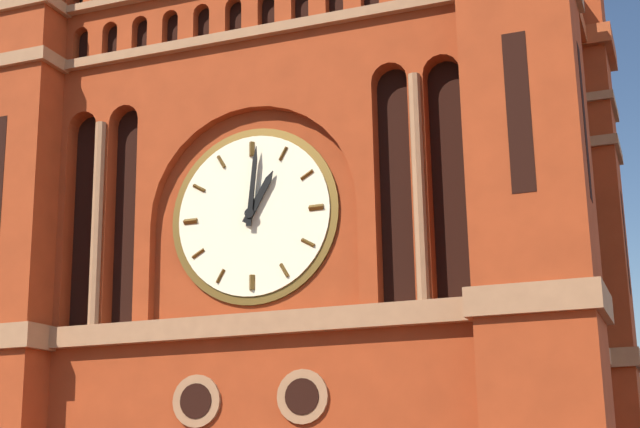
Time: {"hour": 1, "minute": 1}
